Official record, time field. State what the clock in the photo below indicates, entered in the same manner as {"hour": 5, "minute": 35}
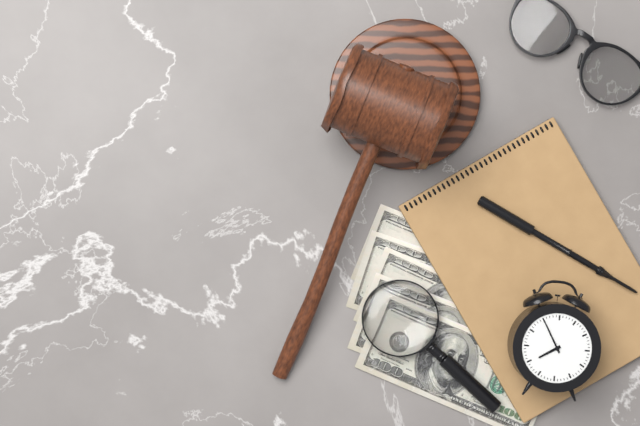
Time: {"hour": 7, "minute": 55}
